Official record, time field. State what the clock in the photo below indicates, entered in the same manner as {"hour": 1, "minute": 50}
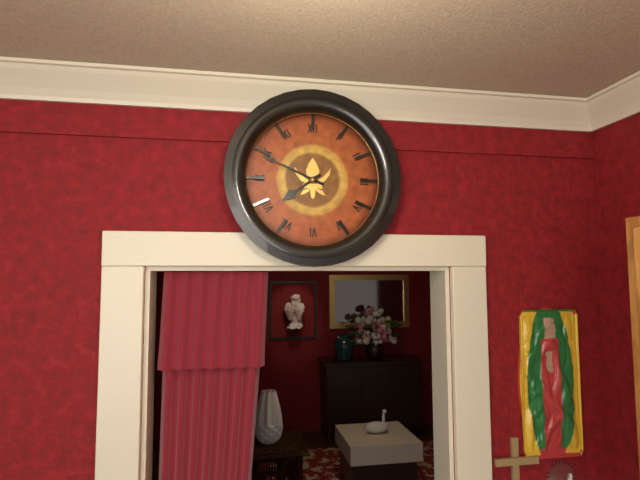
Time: {"hour": 7, "minute": 49}
